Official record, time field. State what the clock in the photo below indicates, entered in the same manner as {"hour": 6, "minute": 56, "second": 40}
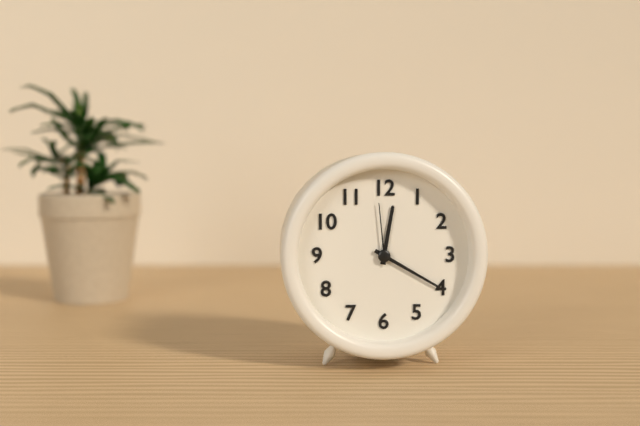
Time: {"hour": 12, "minute": 20, "second": 59}
